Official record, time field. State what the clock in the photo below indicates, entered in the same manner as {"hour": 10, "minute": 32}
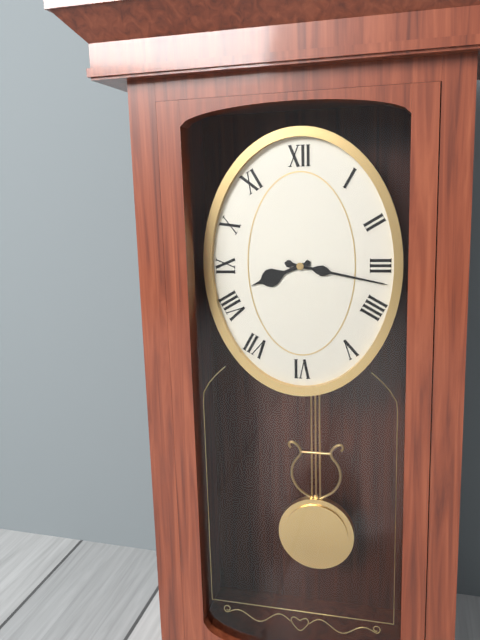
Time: {"hour": 8, "minute": 17}
